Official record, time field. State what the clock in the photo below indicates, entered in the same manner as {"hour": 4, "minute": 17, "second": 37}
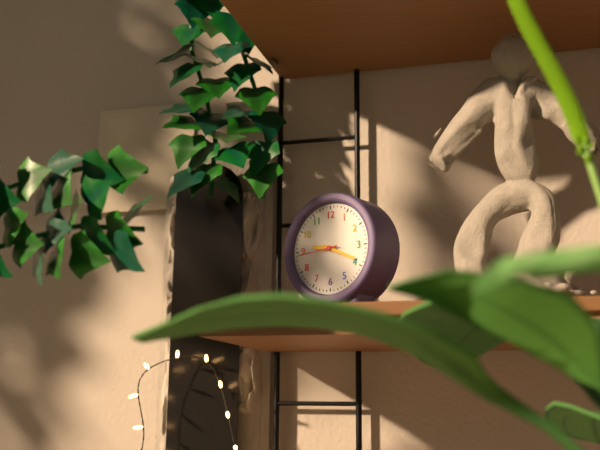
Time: {"hour": 9, "minute": 19, "second": 44}
